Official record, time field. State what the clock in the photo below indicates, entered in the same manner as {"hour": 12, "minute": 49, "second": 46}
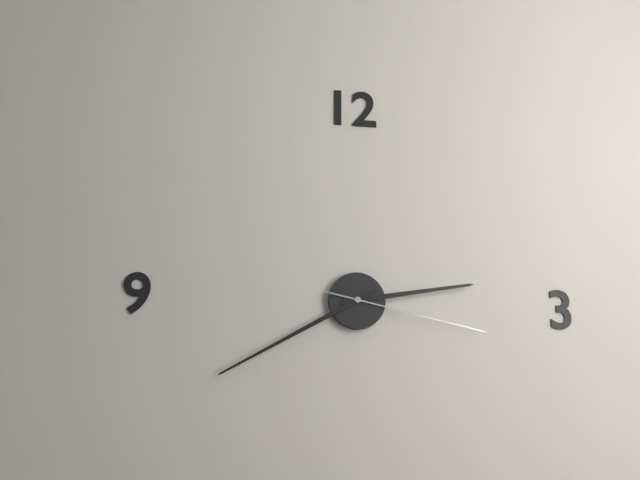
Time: {"hour": 2, "minute": 40, "second": 17}
